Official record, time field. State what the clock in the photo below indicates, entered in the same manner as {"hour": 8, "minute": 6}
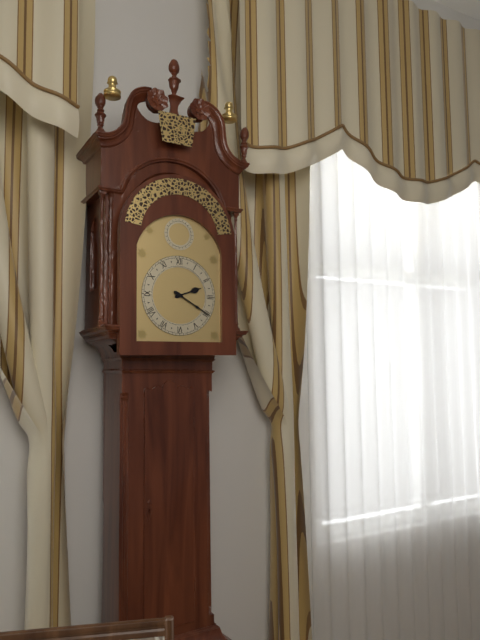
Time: {"hour": 2, "minute": 20}
